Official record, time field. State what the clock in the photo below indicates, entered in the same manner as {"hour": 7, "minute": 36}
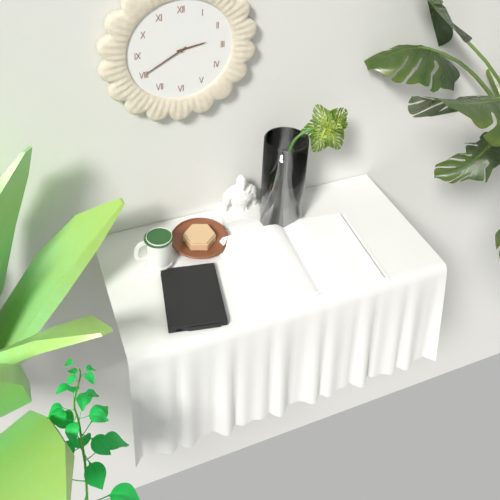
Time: {"hour": 2, "minute": 40}
